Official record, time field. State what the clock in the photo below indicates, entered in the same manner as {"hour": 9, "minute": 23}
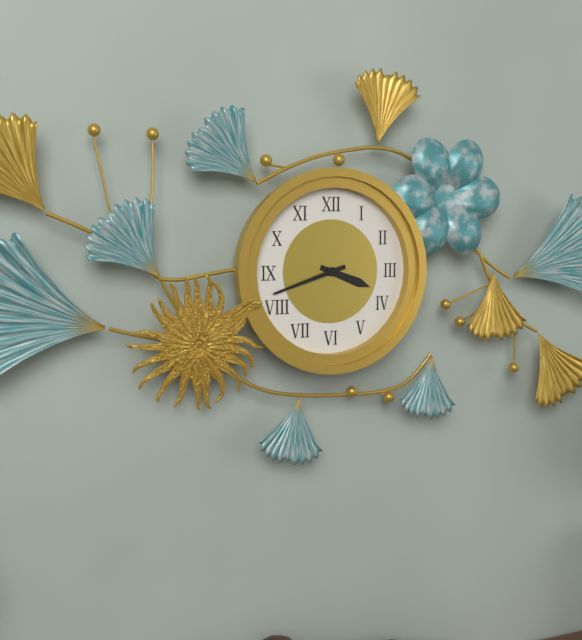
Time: {"hour": 3, "minute": 42}
